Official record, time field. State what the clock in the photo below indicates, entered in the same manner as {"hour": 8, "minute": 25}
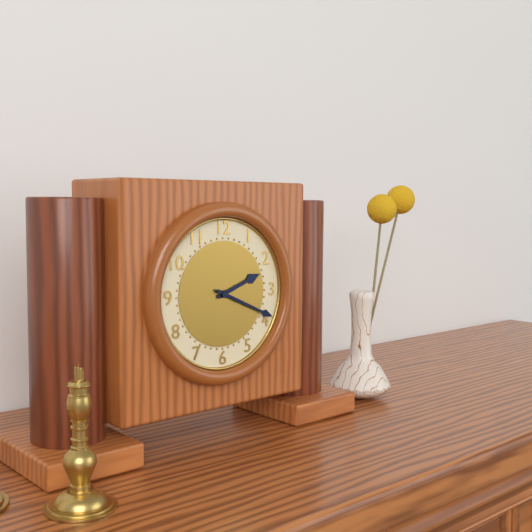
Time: {"hour": 2, "minute": 19}
